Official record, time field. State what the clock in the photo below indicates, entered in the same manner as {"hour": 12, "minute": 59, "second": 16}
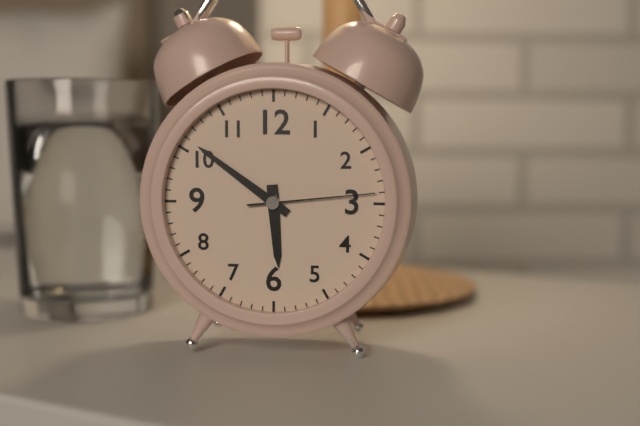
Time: {"hour": 5, "minute": 51, "second": 14}
